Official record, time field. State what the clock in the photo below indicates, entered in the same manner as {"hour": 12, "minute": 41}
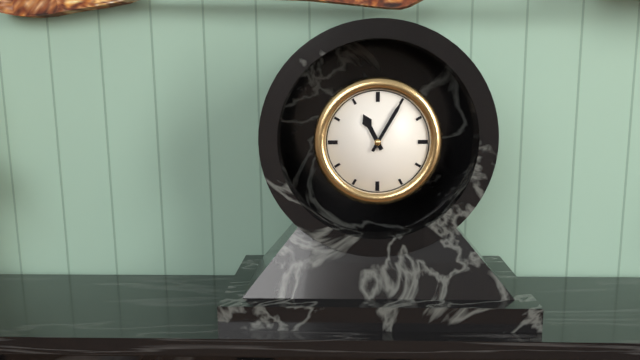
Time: {"hour": 11, "minute": 5}
